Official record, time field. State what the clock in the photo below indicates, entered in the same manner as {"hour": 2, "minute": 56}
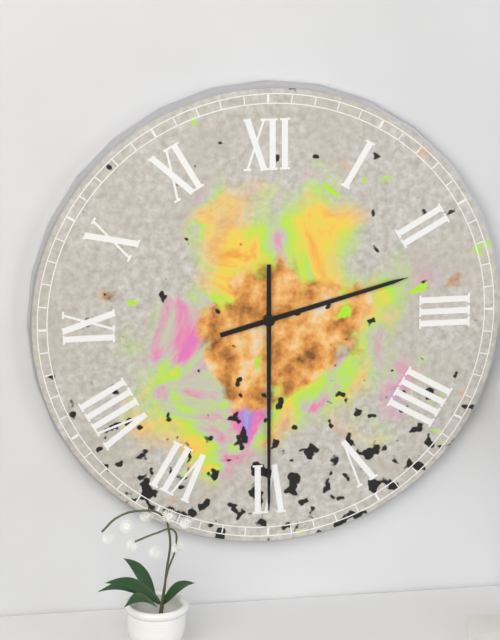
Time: {"hour": 2, "minute": 30}
